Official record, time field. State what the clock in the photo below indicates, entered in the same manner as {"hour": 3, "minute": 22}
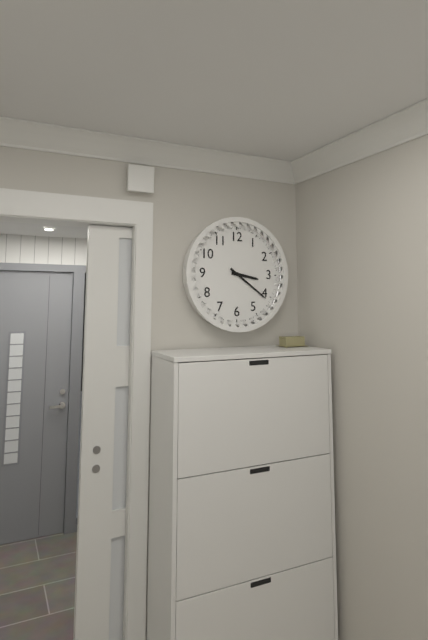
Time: {"hour": 3, "minute": 21}
